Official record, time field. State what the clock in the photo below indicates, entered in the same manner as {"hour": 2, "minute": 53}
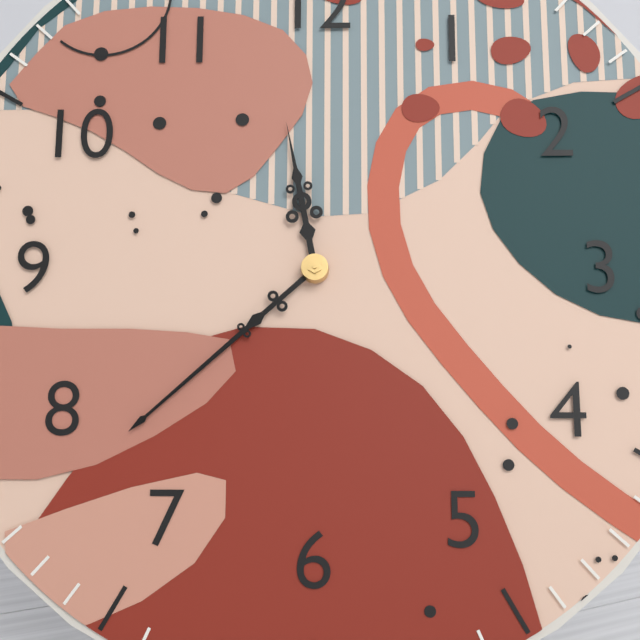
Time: {"hour": 11, "minute": 38}
